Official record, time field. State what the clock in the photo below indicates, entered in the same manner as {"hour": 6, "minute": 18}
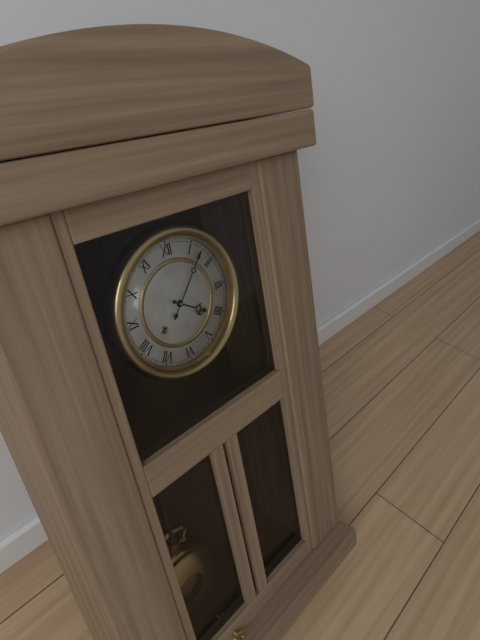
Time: {"hour": 4, "minute": 7}
